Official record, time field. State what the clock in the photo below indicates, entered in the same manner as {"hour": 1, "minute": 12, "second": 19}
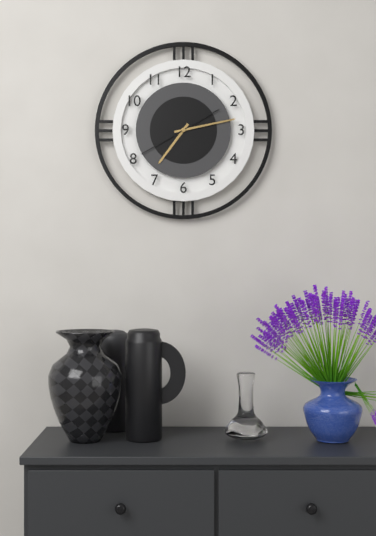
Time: {"hour": 7, "minute": 13, "second": 40}
